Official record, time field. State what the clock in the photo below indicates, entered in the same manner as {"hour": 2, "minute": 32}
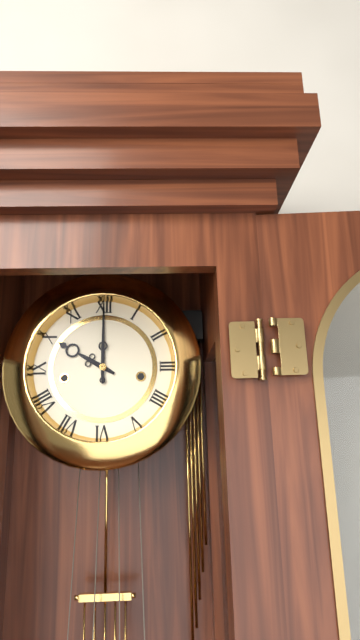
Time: {"hour": 10, "minute": 0}
